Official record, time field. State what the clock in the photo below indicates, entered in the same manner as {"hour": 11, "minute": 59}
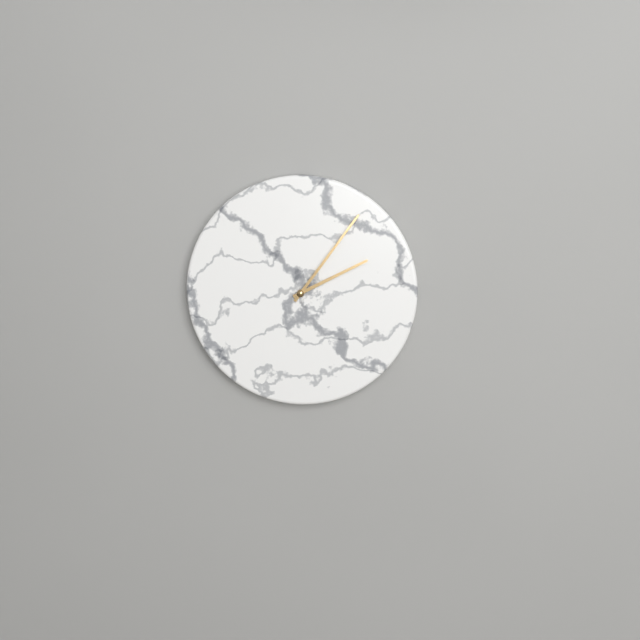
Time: {"hour": 2, "minute": 6}
